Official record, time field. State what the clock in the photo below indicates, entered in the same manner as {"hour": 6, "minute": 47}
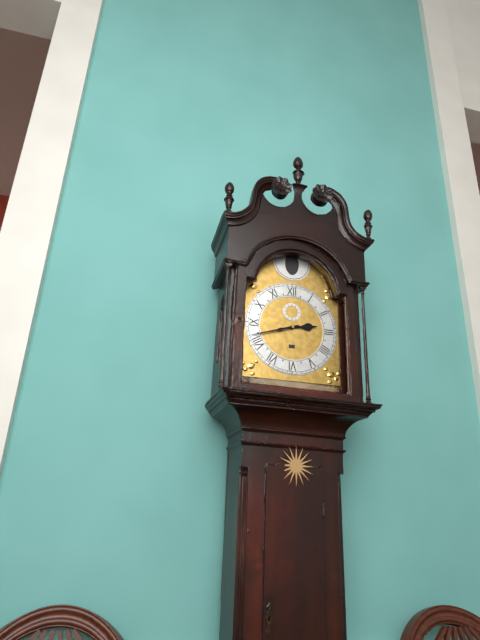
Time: {"hour": 2, "minute": 42}
